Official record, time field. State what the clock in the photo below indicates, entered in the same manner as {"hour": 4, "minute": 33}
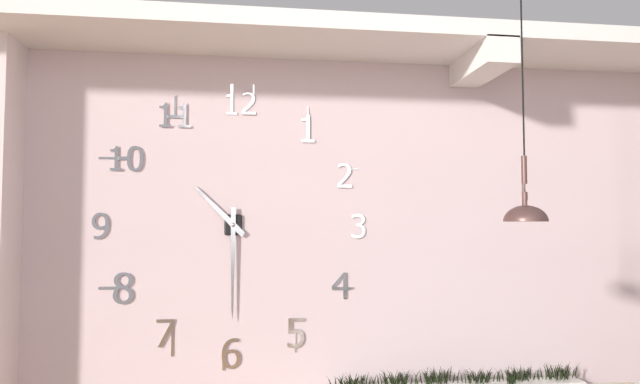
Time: {"hour": 10, "minute": 30}
